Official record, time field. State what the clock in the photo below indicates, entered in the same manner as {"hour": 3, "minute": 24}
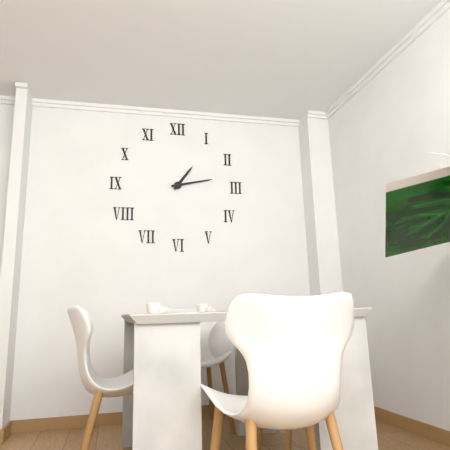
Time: {"hour": 1, "minute": 13}
